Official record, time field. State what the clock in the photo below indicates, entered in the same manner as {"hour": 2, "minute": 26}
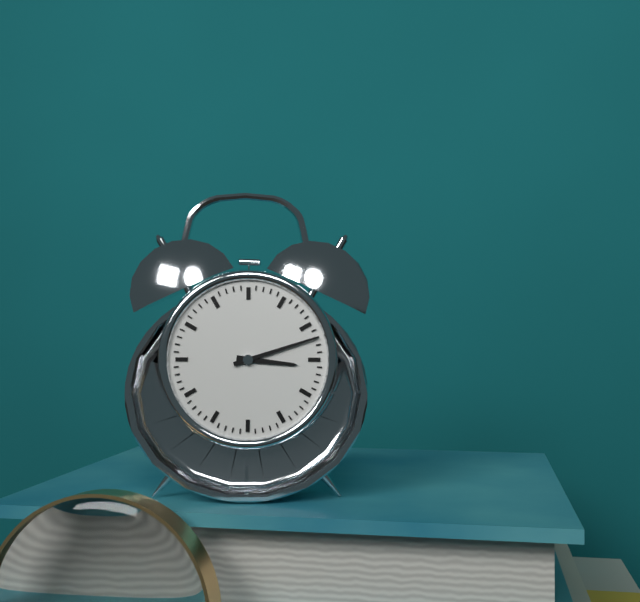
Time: {"hour": 3, "minute": 12}
